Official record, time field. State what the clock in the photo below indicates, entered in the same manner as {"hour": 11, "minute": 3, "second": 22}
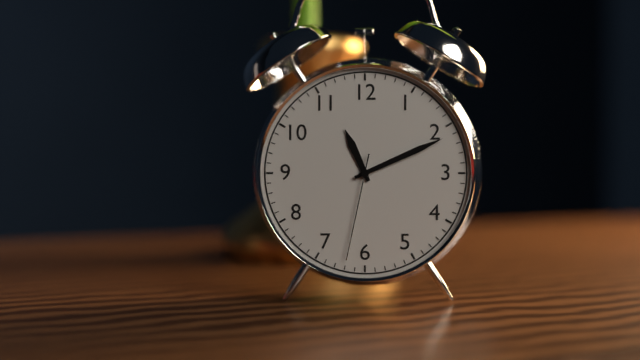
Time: {"hour": 11, "minute": 11, "second": 32}
